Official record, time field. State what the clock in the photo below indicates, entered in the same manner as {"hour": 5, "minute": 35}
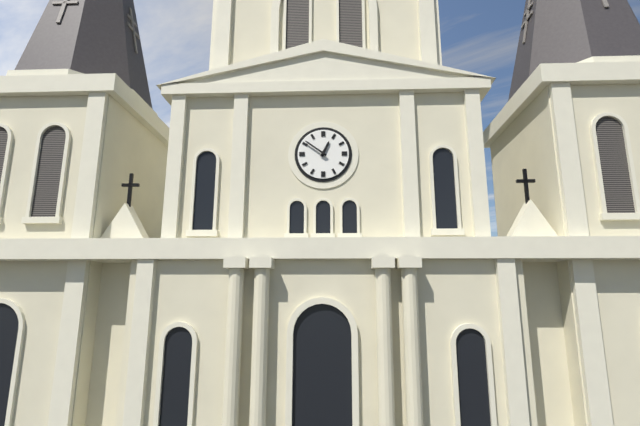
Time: {"hour": 12, "minute": 51}
